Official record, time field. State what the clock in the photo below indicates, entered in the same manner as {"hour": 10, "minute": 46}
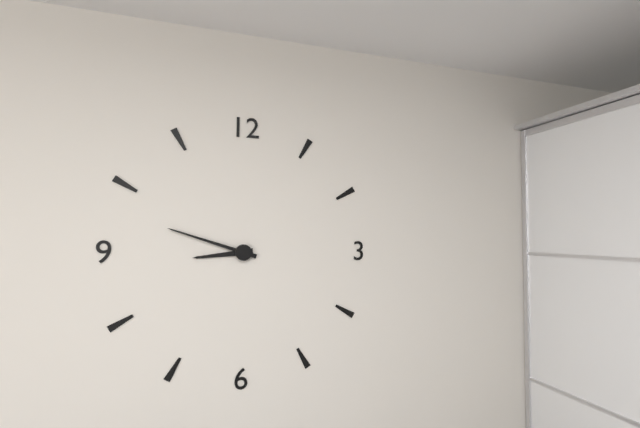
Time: {"hour": 8, "minute": 48}
